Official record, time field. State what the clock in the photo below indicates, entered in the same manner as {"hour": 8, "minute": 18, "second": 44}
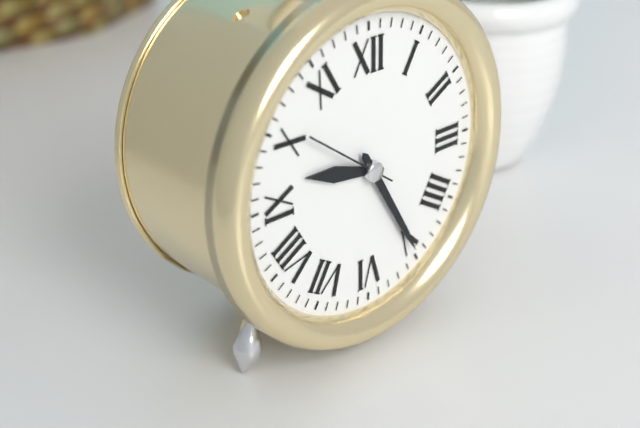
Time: {"hour": 9, "minute": 25, "second": 51}
